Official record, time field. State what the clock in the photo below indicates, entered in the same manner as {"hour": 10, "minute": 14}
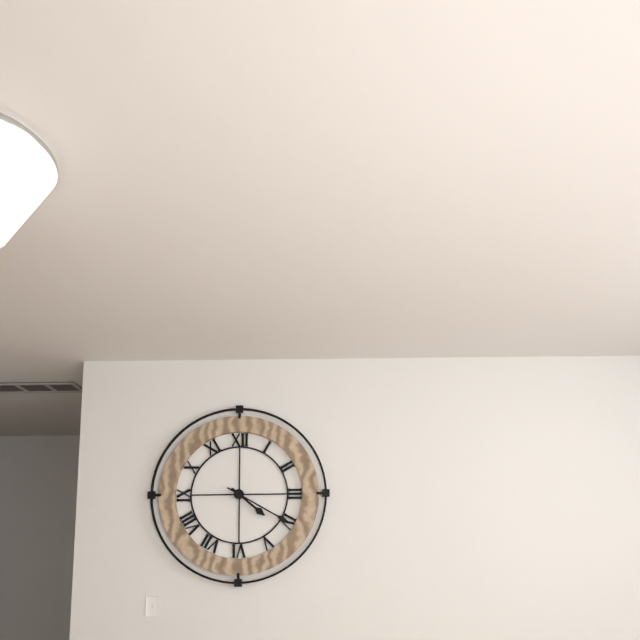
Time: {"hour": 4, "minute": 20}
